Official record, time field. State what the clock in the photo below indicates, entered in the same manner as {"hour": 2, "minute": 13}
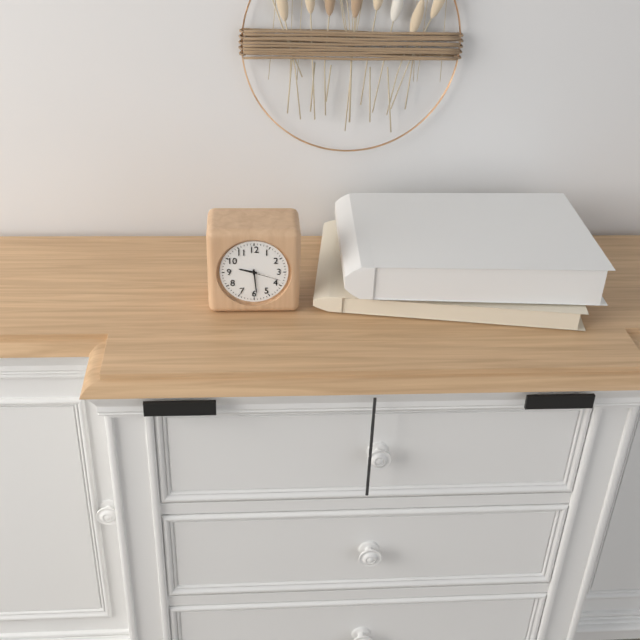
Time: {"hour": 9, "minute": 29}
